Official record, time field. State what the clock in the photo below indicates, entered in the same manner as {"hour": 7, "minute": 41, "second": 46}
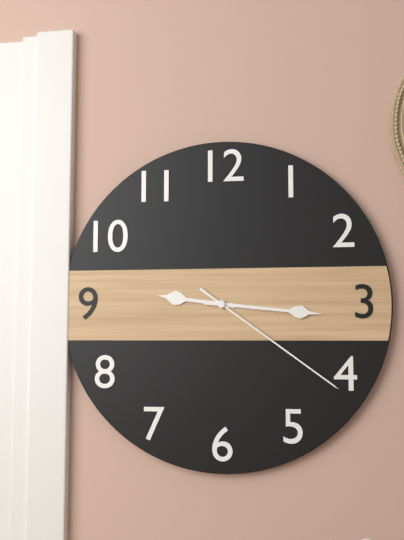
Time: {"hour": 9, "minute": 16, "second": 21}
